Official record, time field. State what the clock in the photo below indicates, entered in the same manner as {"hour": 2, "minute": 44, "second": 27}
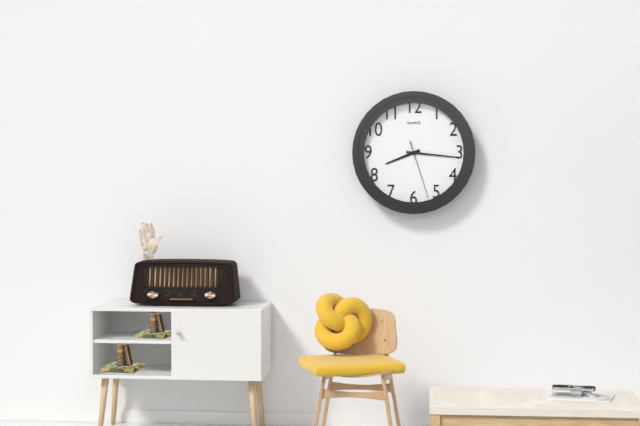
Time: {"hour": 8, "minute": 16, "second": 27}
